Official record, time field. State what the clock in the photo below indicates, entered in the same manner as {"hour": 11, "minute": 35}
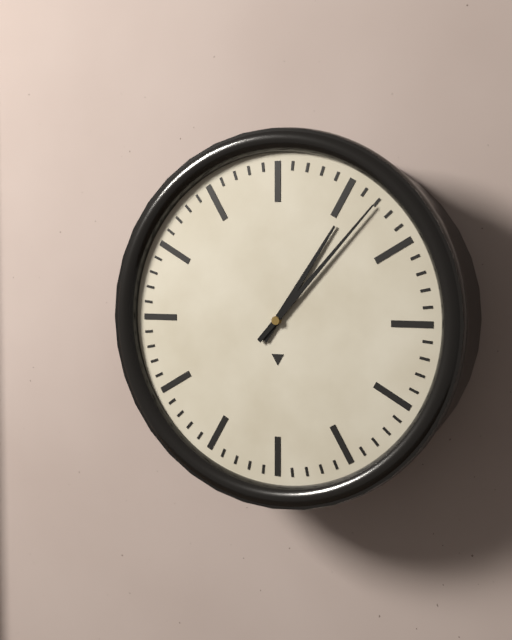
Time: {"hour": 1, "minute": 7}
